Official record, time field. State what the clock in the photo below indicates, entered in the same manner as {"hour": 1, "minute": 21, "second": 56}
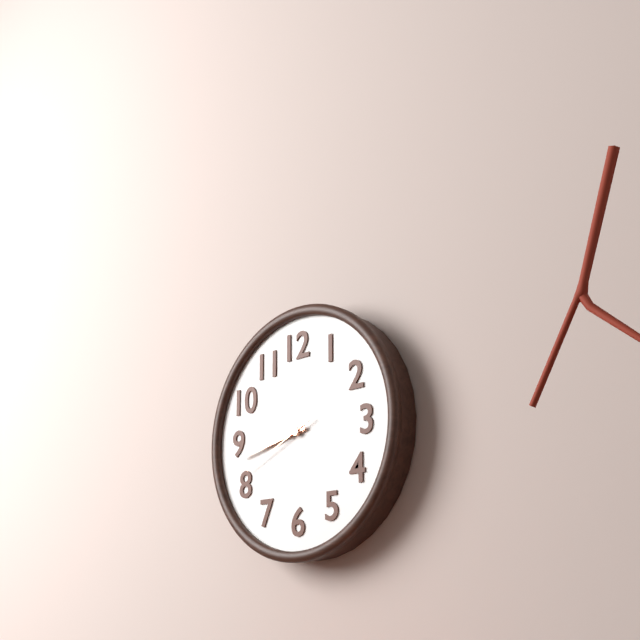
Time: {"hour": 8, "minute": 43, "second": 41}
